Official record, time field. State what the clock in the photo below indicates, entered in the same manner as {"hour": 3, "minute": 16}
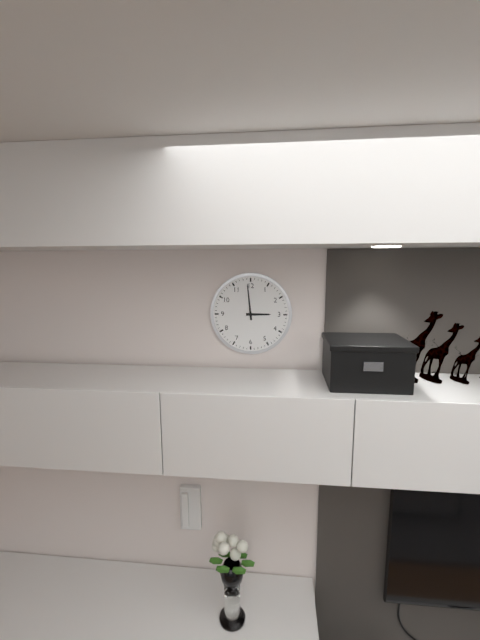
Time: {"hour": 2, "minute": 59}
